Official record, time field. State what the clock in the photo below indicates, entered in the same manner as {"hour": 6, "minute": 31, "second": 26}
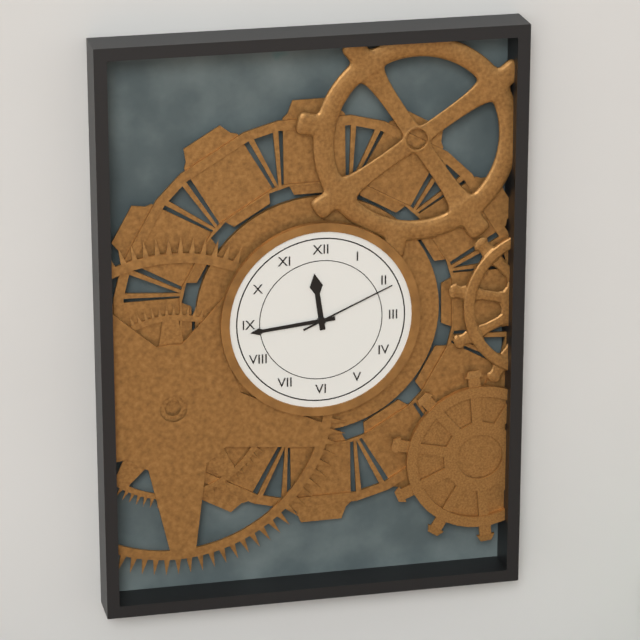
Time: {"hour": 11, "minute": 44, "second": 11}
